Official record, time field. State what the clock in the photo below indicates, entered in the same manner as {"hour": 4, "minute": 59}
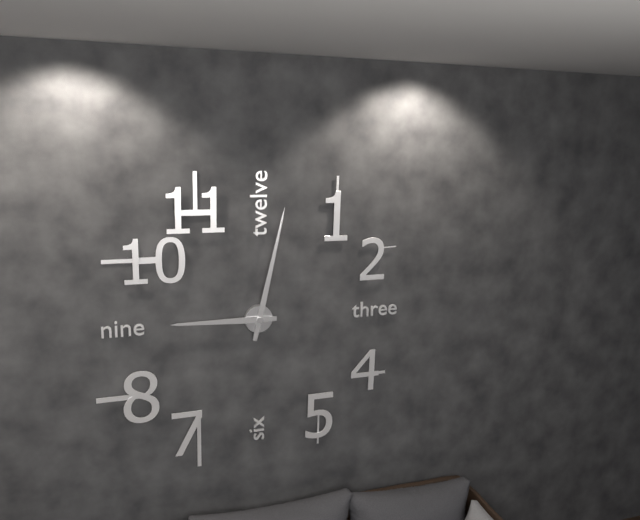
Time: {"hour": 9, "minute": 2}
